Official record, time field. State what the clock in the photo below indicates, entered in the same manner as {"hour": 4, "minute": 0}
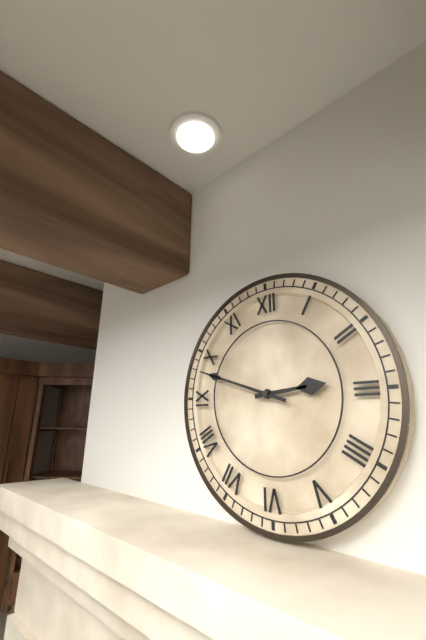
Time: {"hour": 2, "minute": 48}
